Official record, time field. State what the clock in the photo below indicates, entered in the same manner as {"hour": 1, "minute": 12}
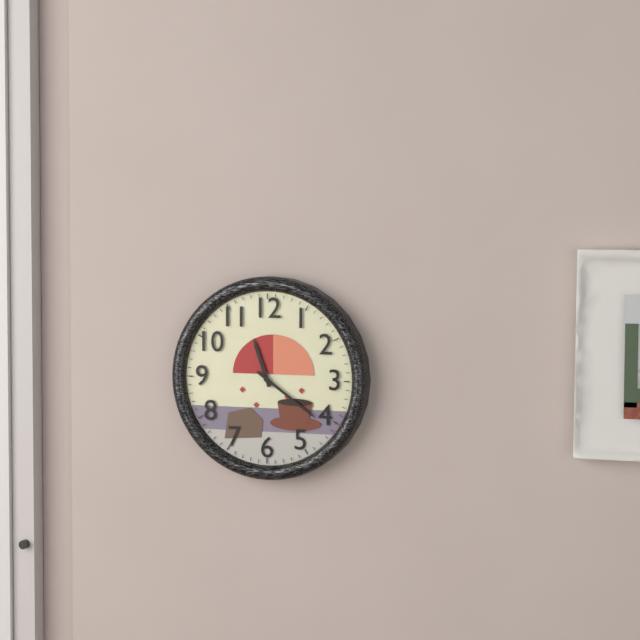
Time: {"hour": 11, "minute": 21}
